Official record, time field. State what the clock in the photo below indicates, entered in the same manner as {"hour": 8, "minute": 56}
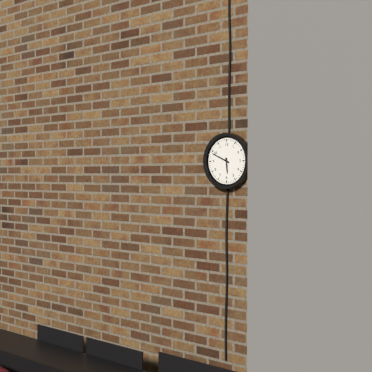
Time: {"hour": 5, "minute": 49}
